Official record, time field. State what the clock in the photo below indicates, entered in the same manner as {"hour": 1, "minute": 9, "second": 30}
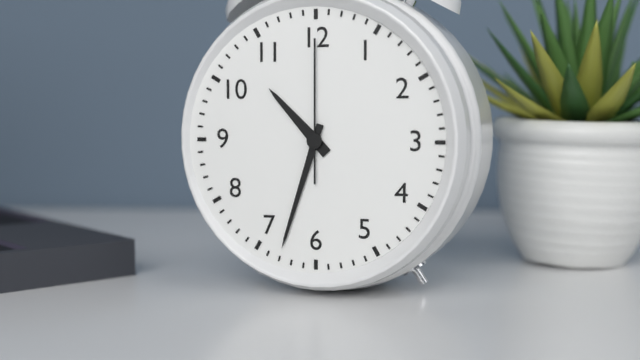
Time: {"hour": 10, "minute": 33, "second": 0}
